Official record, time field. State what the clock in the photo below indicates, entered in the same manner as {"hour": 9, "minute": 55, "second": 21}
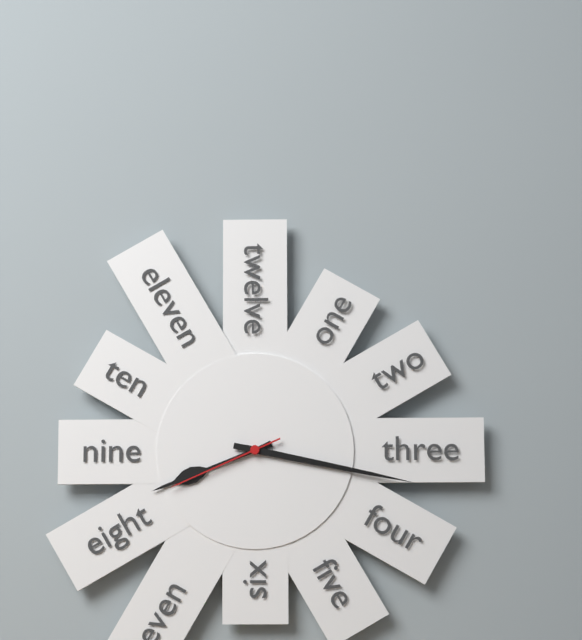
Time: {"hour": 8, "minute": 17, "second": 41}
